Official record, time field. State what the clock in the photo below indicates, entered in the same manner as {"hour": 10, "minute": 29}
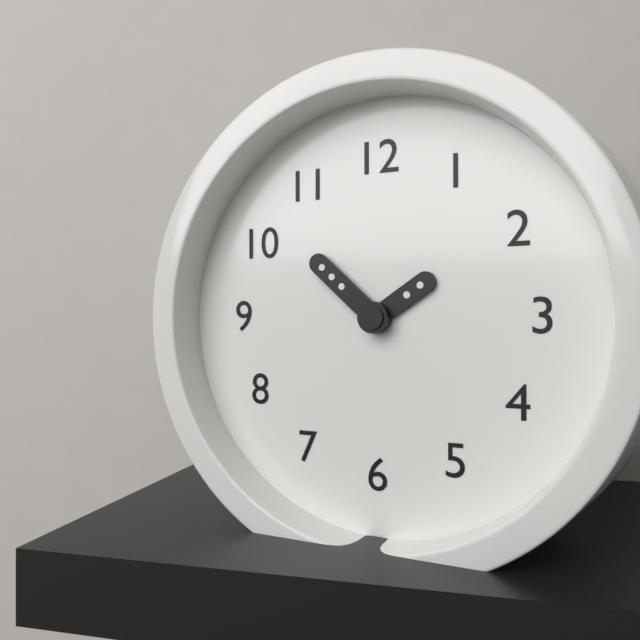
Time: {"hour": 1, "minute": 52}
